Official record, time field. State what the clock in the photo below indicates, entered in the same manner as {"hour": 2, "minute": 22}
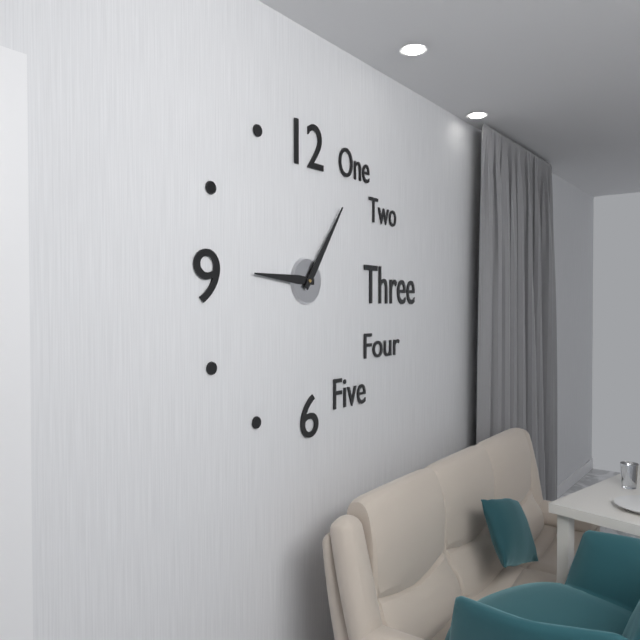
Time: {"hour": 9, "minute": 6}
